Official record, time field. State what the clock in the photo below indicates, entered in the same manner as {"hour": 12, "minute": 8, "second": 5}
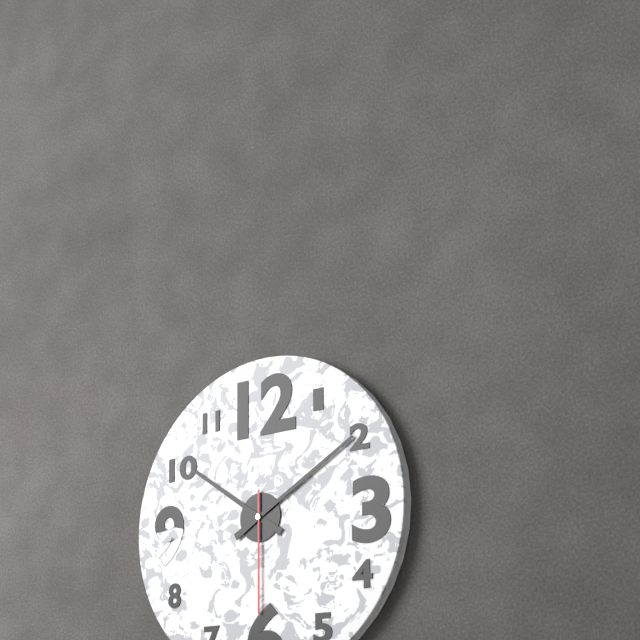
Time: {"hour": 10, "minute": 10, "second": 30}
